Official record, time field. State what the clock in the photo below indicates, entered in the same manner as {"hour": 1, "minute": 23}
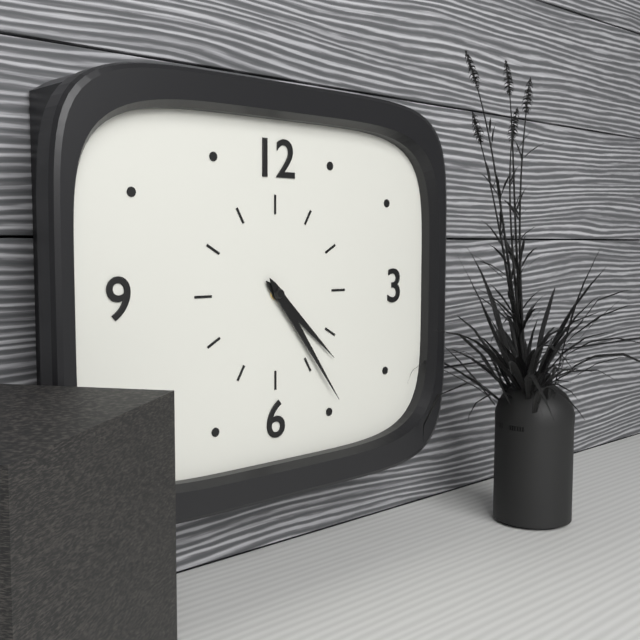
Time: {"hour": 4, "minute": 24}
